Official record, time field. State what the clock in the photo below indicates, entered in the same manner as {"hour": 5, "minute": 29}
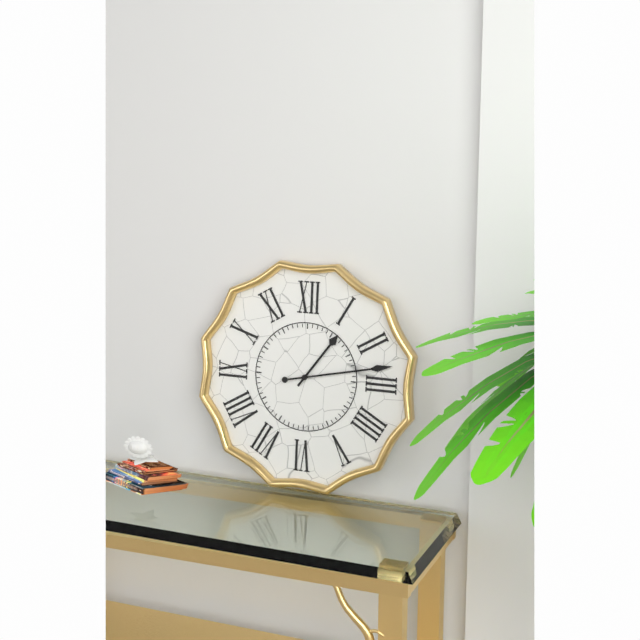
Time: {"hour": 1, "minute": 13}
